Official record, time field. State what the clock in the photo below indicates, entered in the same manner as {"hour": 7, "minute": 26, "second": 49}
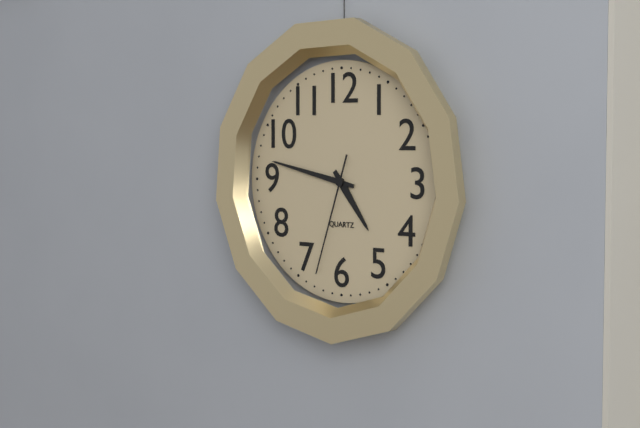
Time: {"hour": 4, "minute": 47, "second": 33}
